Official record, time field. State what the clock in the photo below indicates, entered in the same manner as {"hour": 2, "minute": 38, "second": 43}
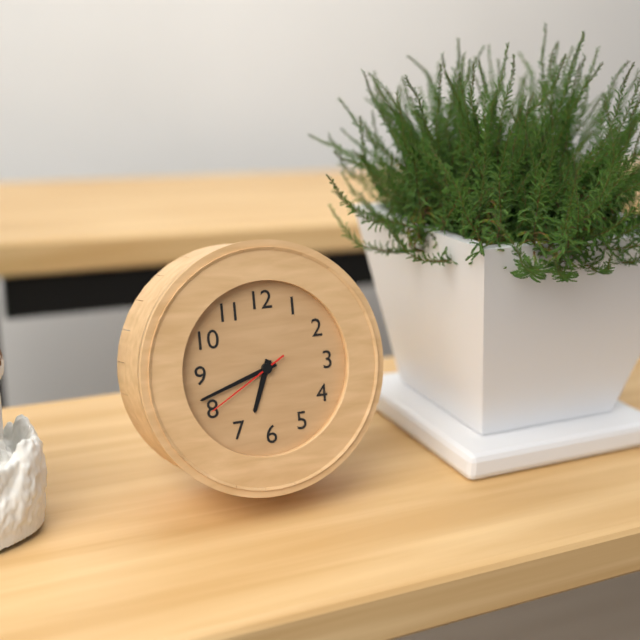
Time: {"hour": 6, "minute": 42, "second": 40}
